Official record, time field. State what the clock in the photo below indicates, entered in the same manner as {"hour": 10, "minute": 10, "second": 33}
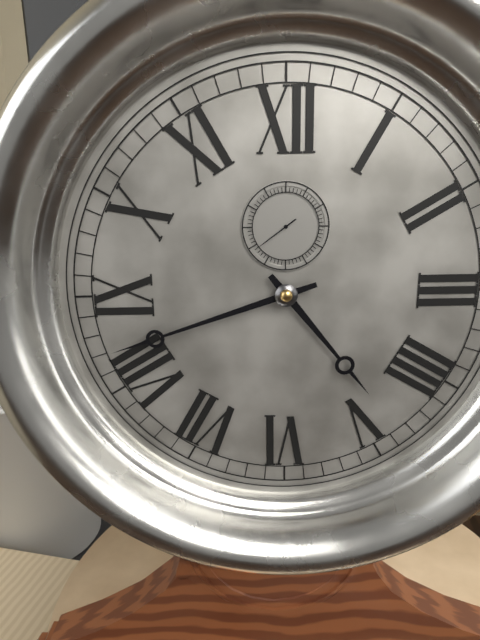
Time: {"hour": 4, "minute": 42, "second": 39}
